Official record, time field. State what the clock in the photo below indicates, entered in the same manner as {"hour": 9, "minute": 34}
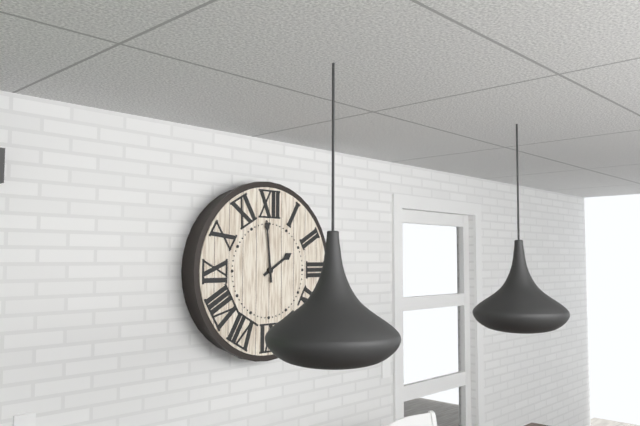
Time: {"hour": 1, "minute": 59}
